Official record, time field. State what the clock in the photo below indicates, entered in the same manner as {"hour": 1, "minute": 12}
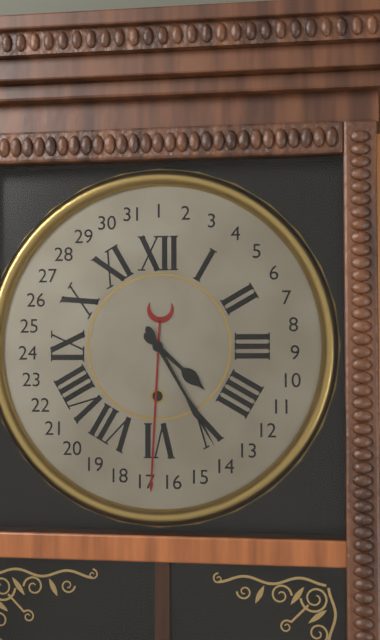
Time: {"hour": 4, "minute": 25}
